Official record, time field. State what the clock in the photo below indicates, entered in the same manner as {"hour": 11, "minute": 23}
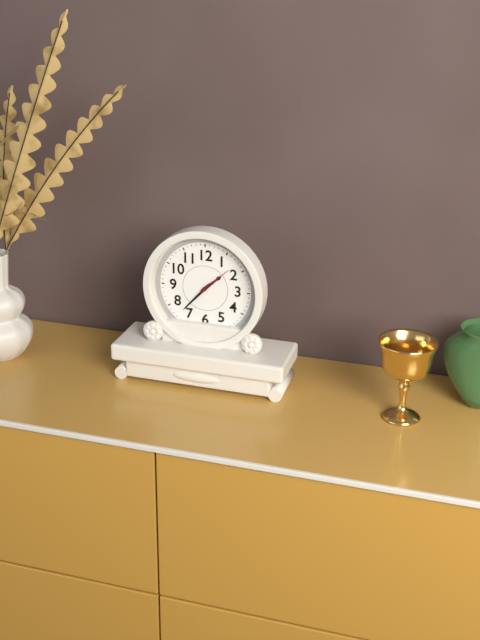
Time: {"hour": 1, "minute": 37}
